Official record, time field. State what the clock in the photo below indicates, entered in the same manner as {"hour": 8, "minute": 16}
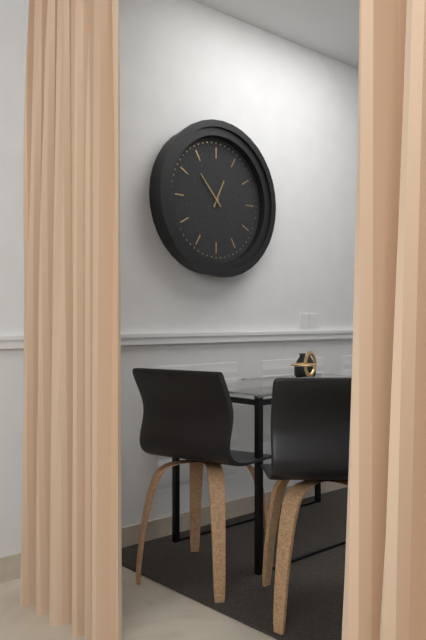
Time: {"hour": 12, "minute": 53}
